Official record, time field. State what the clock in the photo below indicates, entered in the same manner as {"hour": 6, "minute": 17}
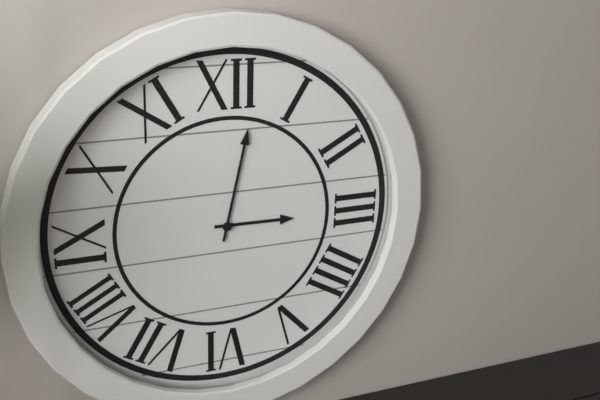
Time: {"hour": 3, "minute": 2}
